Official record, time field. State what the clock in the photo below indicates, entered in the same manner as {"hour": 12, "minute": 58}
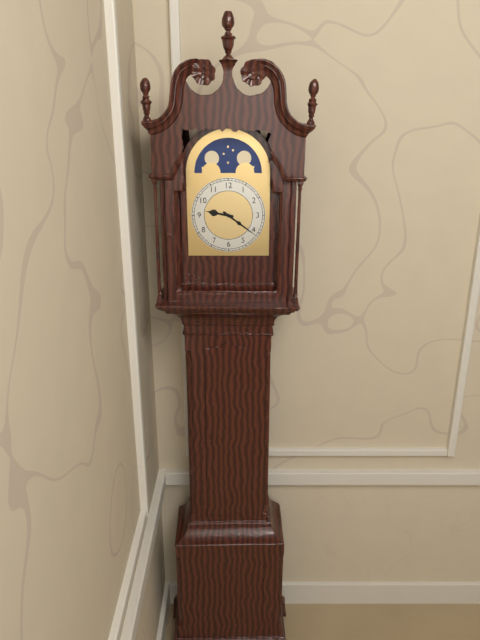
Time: {"hour": 9, "minute": 21}
